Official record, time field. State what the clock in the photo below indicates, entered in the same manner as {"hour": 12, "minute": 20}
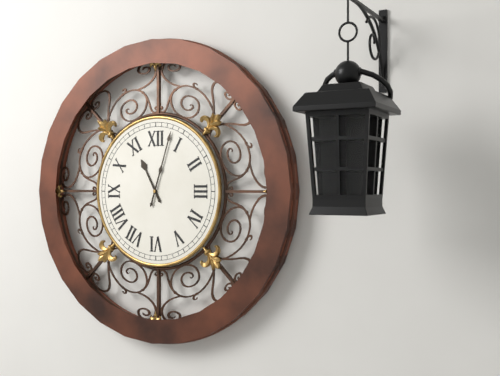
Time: {"hour": 11, "minute": 3}
